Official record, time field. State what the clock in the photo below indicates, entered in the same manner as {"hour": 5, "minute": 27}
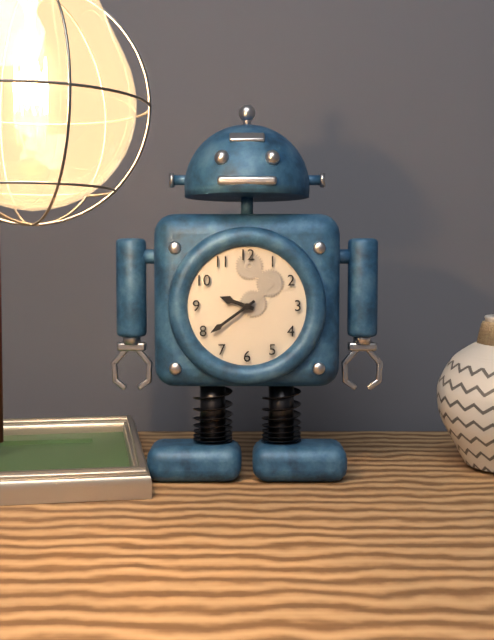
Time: {"hour": 9, "minute": 39}
